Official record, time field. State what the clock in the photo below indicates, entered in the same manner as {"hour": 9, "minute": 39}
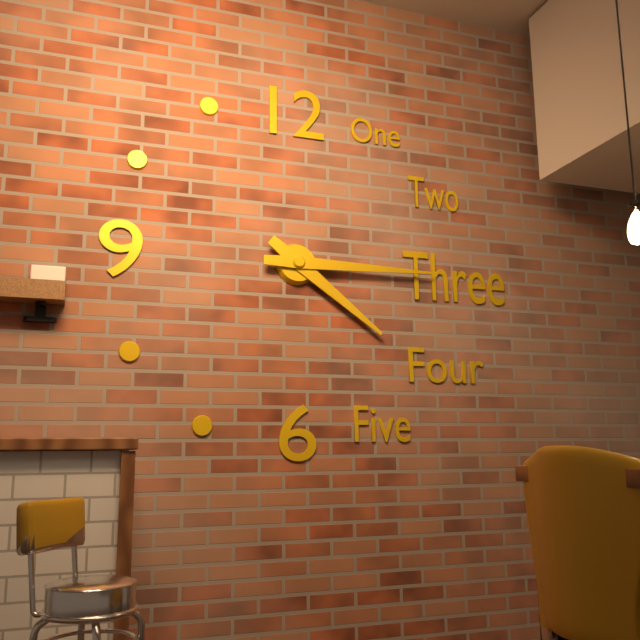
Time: {"hour": 4, "minute": 15}
